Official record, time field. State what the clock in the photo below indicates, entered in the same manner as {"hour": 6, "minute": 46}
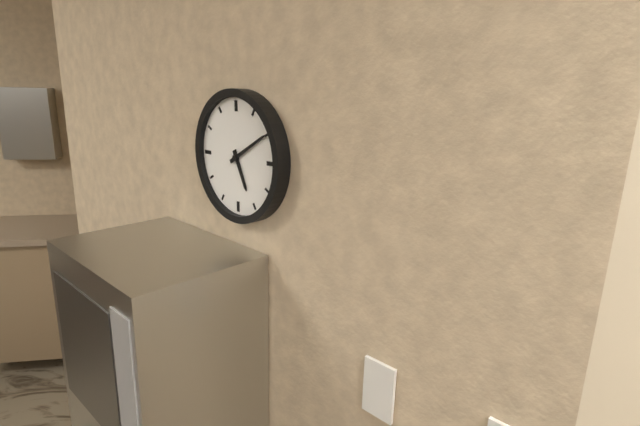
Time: {"hour": 5, "minute": 10}
